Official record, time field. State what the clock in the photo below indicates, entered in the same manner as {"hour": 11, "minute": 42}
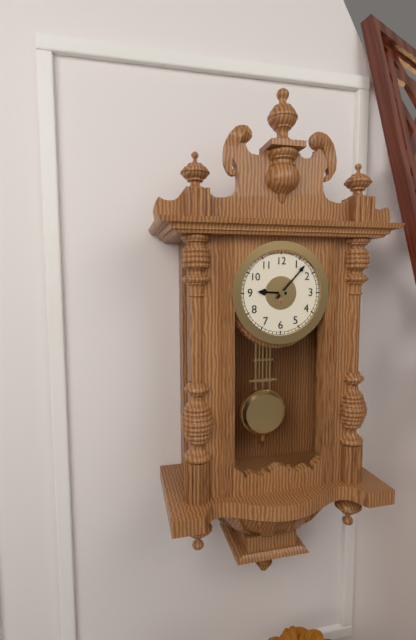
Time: {"hour": 9, "minute": 7}
